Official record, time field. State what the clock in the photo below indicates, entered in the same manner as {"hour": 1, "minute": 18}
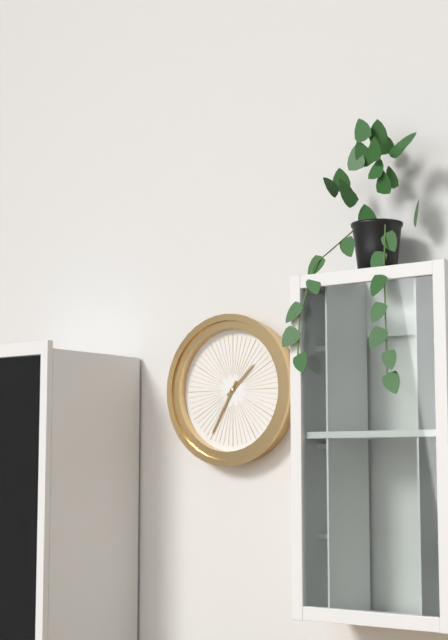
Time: {"hour": 1, "minute": 35}
